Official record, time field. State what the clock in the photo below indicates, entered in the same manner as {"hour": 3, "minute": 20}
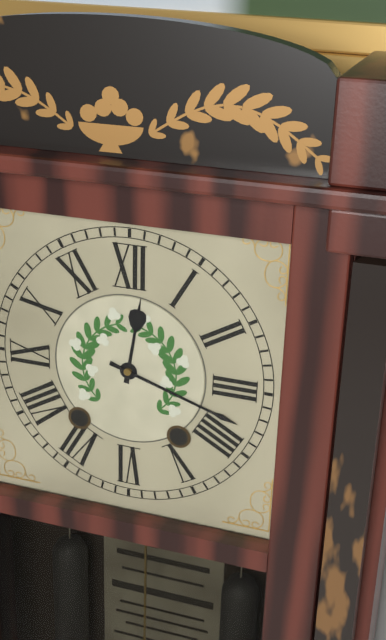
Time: {"hour": 12, "minute": 18}
